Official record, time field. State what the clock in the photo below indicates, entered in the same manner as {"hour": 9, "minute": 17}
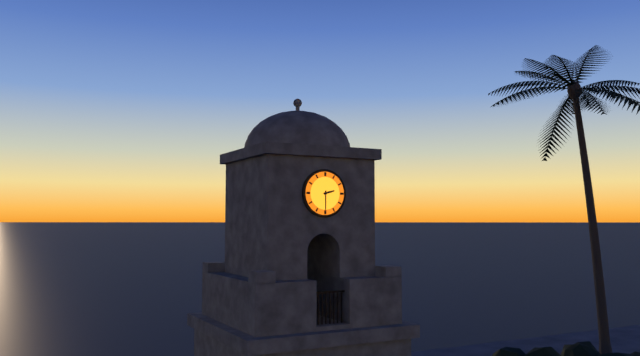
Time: {"hour": 2, "minute": 30}
